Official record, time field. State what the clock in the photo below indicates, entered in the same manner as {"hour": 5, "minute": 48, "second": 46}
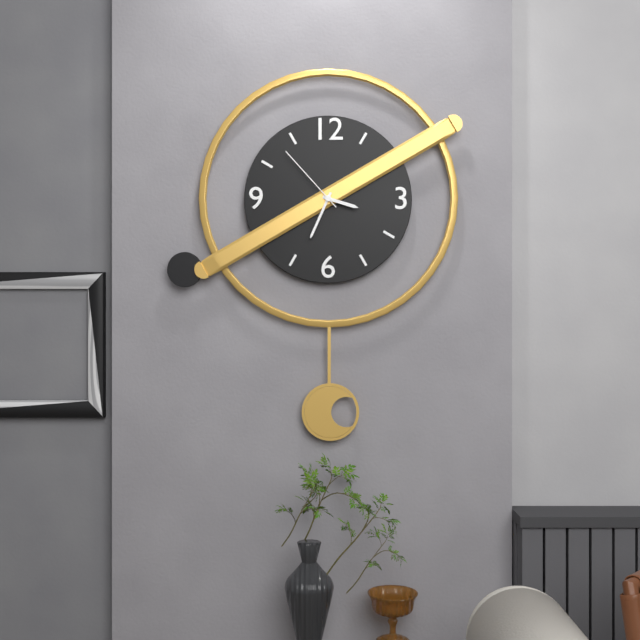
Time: {"hour": 3, "minute": 34, "second": 53}
